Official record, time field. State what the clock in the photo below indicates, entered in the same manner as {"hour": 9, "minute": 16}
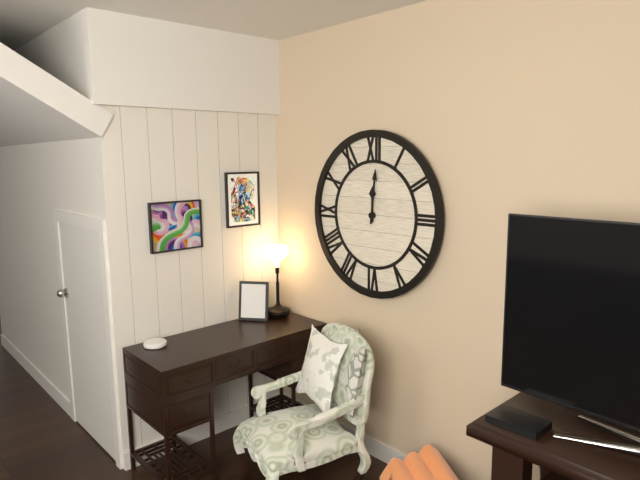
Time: {"hour": 12, "minute": 1}
